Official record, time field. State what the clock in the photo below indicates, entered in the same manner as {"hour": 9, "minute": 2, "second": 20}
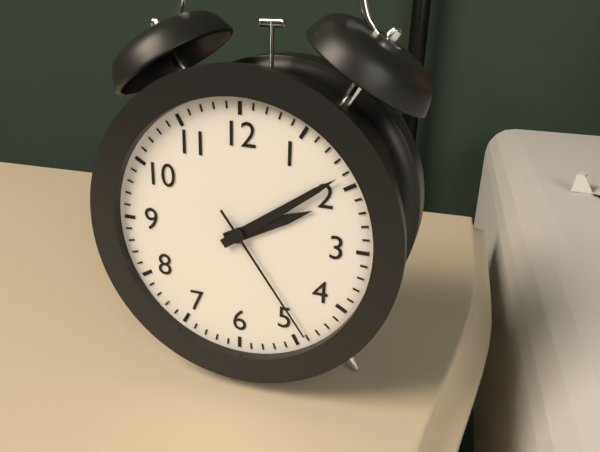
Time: {"hour": 2, "minute": 9, "second": 24}
